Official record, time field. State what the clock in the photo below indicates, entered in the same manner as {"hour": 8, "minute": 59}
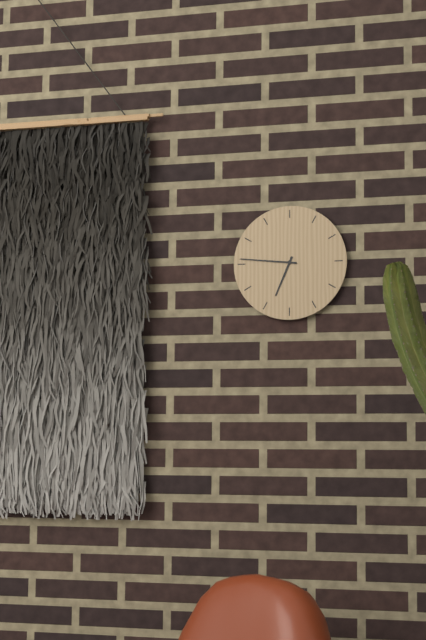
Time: {"hour": 6, "minute": 46}
